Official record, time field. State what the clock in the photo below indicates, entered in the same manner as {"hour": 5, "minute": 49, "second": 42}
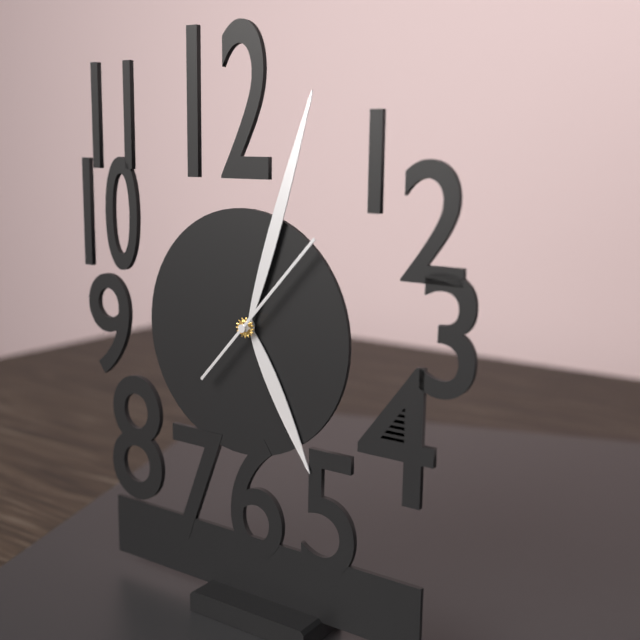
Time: {"hour": 5, "minute": 3, "second": 7}
